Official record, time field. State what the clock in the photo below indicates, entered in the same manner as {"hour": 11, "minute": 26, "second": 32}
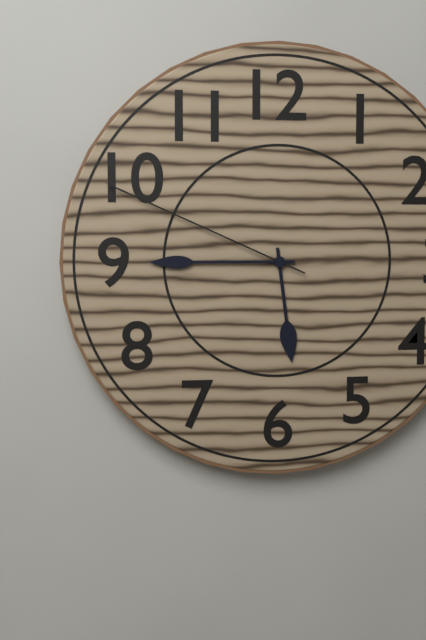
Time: {"hour": 5, "minute": 45, "second": 49}
